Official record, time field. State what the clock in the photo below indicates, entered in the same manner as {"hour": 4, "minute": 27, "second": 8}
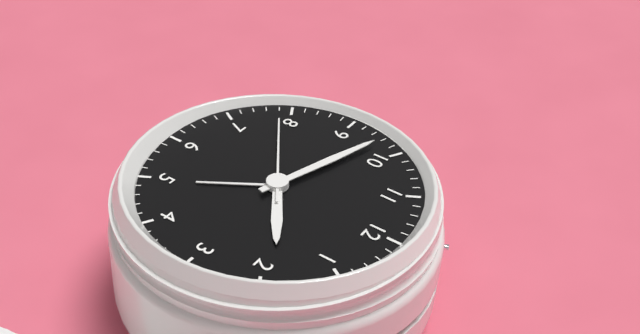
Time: {"hour": 1, "minute": 48, "second": 39}
